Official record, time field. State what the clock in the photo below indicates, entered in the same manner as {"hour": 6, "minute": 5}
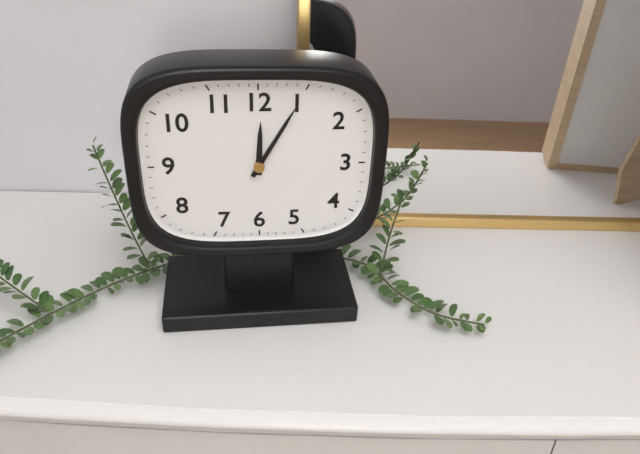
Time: {"hour": 12, "minute": 5}
